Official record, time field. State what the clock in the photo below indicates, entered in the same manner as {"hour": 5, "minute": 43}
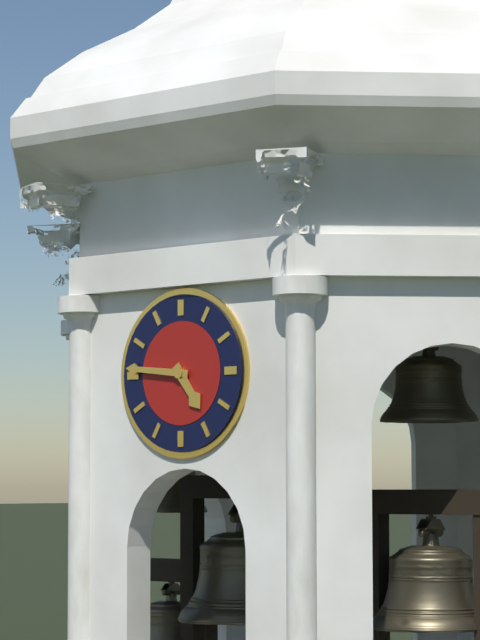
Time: {"hour": 4, "minute": 46}
